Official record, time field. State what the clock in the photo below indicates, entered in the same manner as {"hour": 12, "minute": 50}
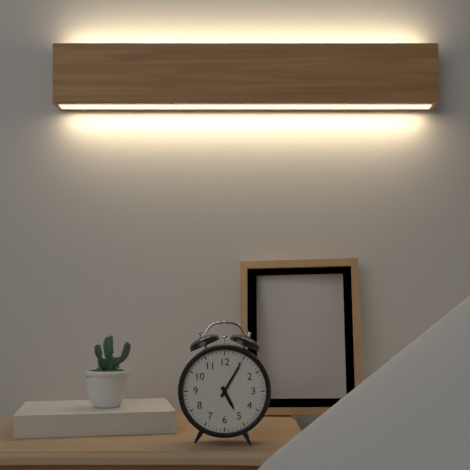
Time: {"hour": 5, "minute": 5}
